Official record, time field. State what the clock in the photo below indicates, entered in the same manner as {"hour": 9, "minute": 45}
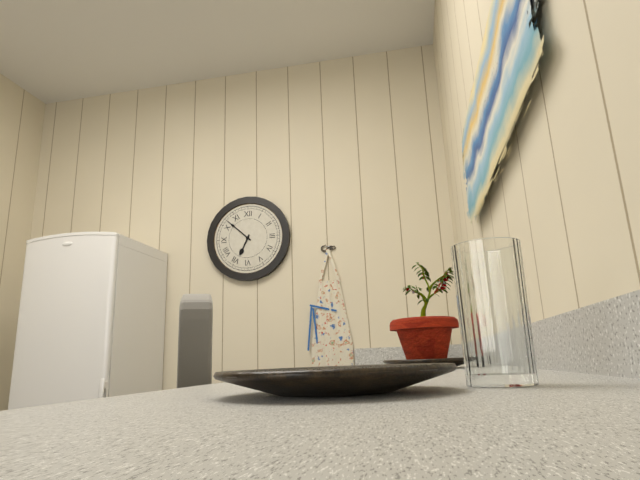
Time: {"hour": 6, "minute": 52}
